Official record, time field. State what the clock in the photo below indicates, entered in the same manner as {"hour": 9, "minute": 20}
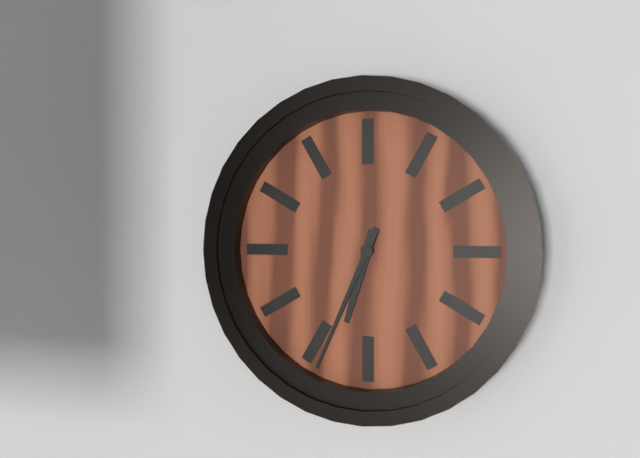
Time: {"hour": 6, "minute": 34}
